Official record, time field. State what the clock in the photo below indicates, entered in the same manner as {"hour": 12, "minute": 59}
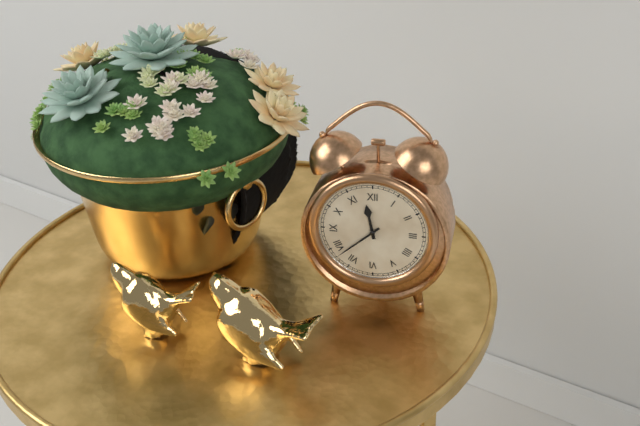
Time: {"hour": 11, "minute": 38}
